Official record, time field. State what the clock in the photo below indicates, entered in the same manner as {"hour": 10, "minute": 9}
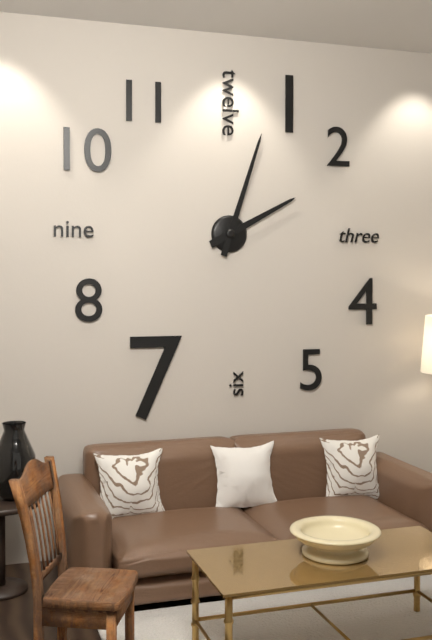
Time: {"hour": 2, "minute": 3}
